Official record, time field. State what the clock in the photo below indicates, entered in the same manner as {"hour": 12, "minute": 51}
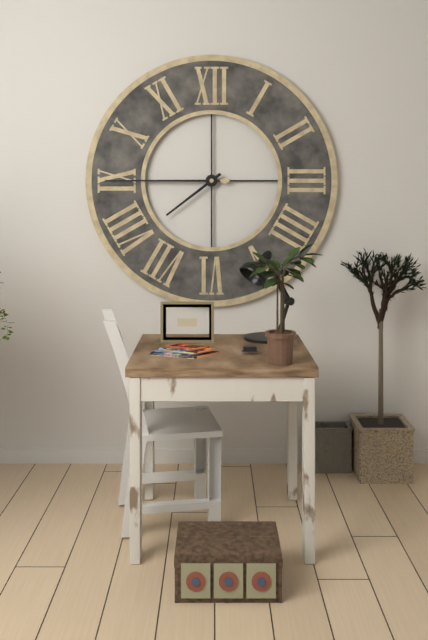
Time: {"hour": 7, "minute": 45}
